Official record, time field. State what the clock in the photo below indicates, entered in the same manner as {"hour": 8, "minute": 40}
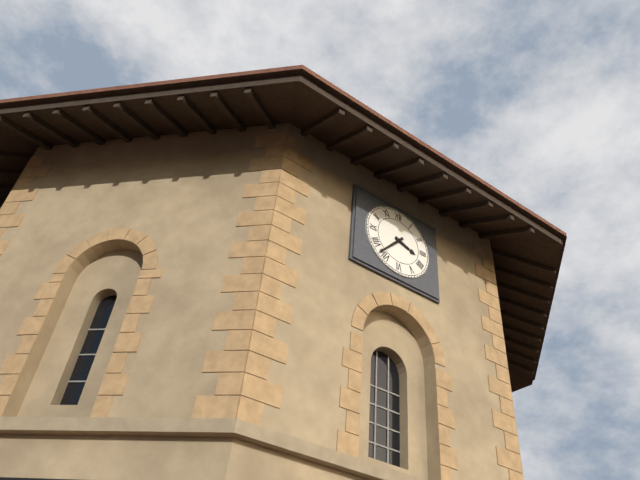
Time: {"hour": 3, "minute": 37}
